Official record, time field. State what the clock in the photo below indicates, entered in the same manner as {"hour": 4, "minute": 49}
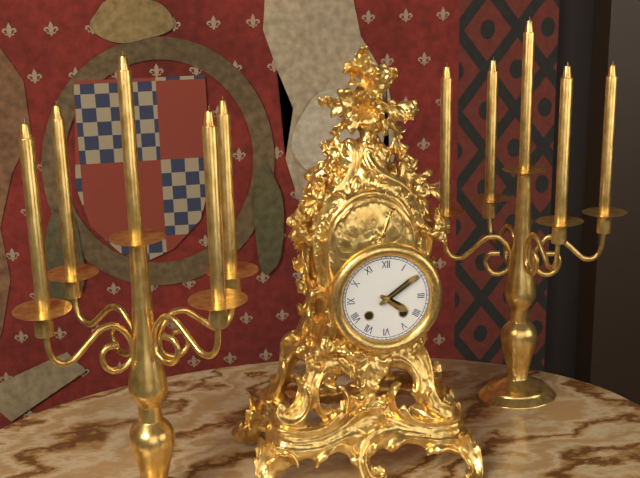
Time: {"hour": 4, "minute": 9}
